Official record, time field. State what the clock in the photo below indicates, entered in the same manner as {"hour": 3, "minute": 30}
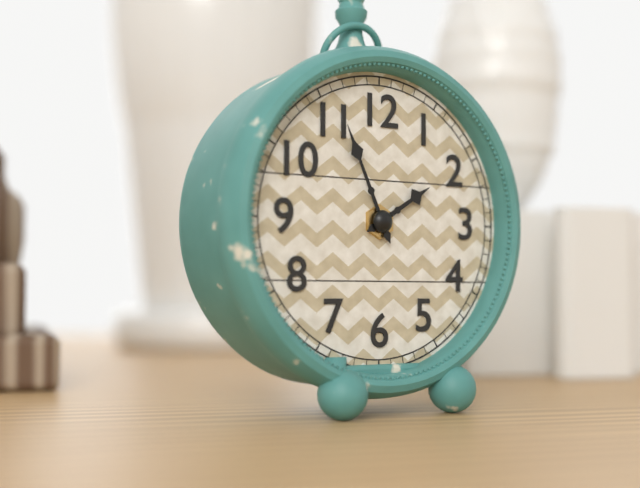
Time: {"hour": 1, "minute": 56}
